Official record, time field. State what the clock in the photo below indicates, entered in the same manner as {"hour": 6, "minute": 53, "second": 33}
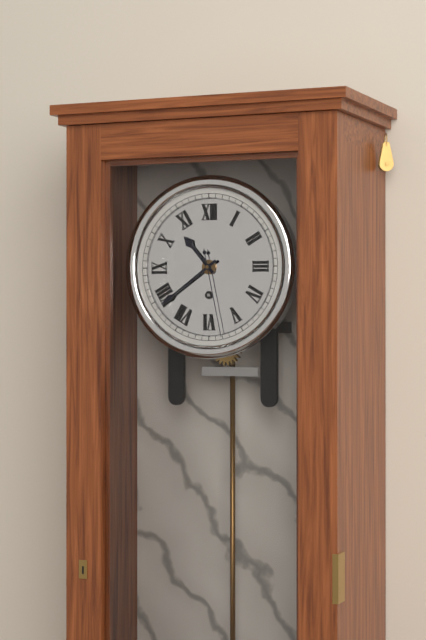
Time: {"hour": 10, "minute": 39, "second": 28}
